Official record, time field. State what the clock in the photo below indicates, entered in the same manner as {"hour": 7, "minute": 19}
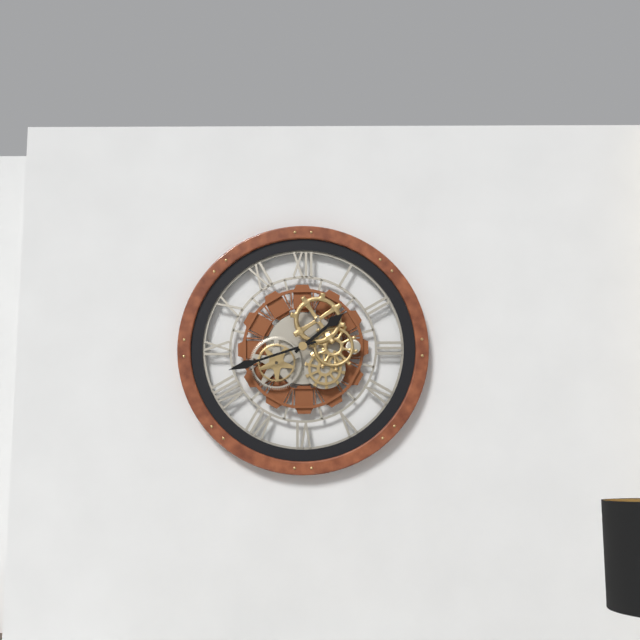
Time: {"hour": 1, "minute": 42}
